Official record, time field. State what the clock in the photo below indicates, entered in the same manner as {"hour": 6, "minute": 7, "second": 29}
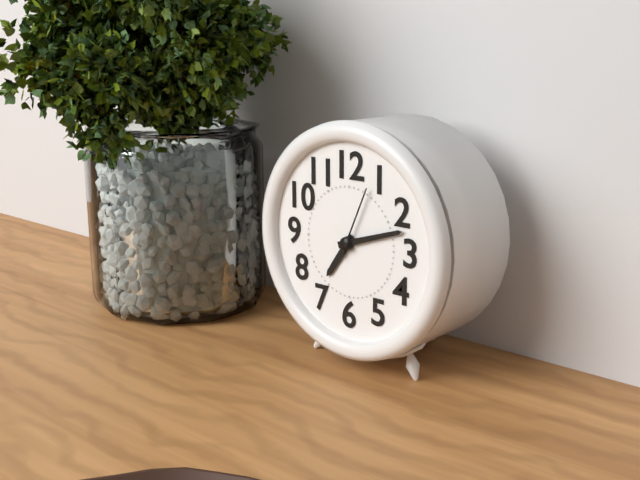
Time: {"hour": 7, "minute": 12, "second": 4}
